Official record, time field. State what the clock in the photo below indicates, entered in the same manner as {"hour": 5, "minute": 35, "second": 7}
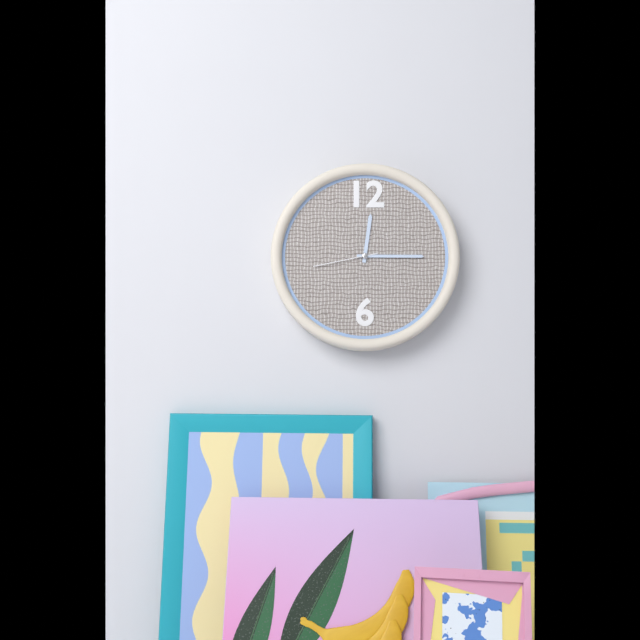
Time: {"hour": 12, "minute": 15, "second": 43}
